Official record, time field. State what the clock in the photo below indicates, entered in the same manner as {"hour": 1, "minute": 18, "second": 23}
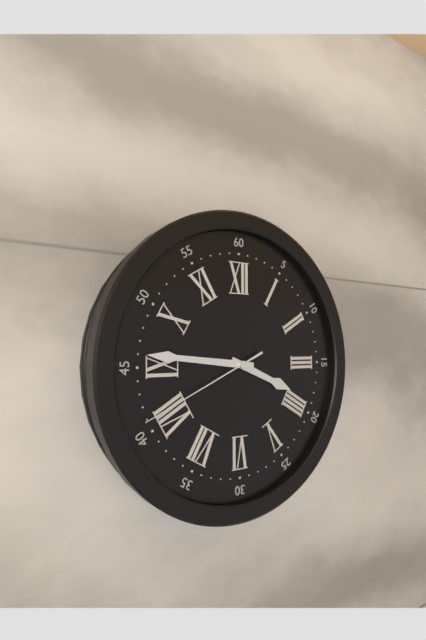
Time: {"hour": 3, "minute": 46, "second": 41}
